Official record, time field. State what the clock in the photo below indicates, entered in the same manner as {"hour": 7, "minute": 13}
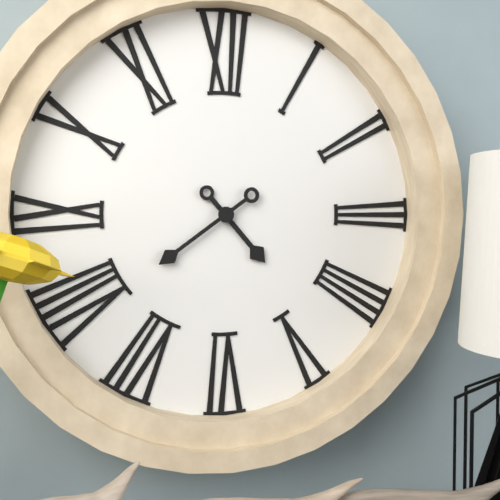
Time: {"hour": 4, "minute": 39}
